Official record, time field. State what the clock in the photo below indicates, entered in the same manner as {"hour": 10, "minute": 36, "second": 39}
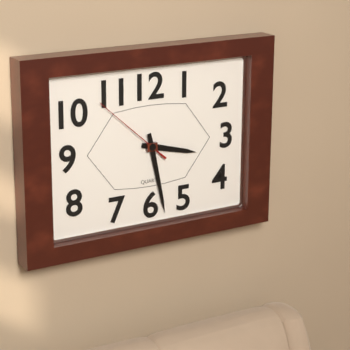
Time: {"hour": 3, "minute": 28, "second": 52}
